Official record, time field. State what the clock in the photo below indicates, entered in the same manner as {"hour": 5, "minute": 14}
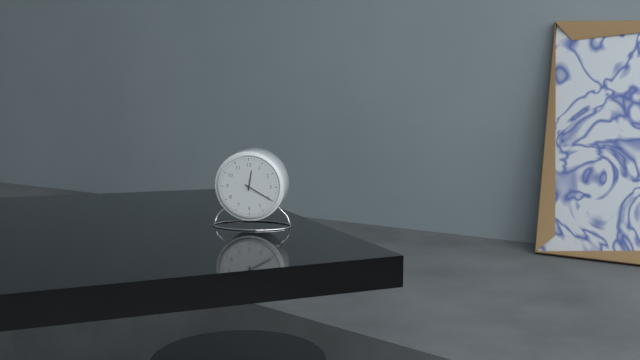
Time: {"hour": 12, "minute": 20}
